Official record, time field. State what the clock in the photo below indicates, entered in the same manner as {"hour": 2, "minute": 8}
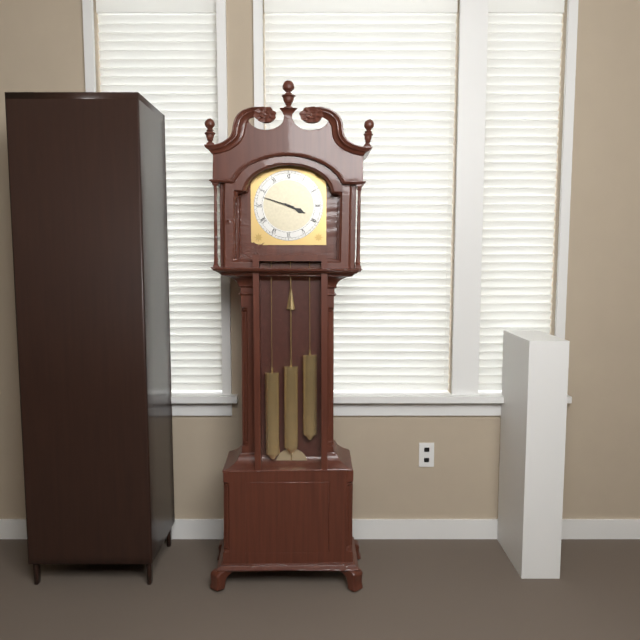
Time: {"hour": 3, "minute": 48}
